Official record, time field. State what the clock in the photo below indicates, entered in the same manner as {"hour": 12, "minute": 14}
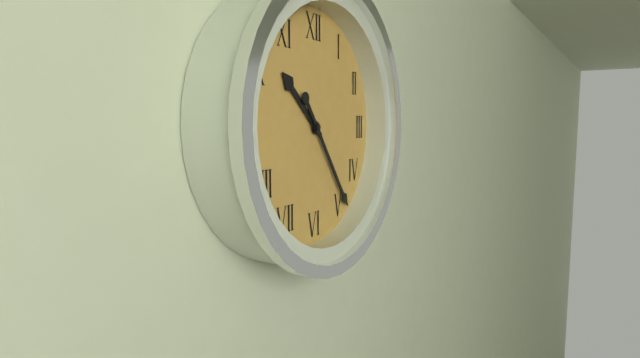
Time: {"hour": 10, "minute": 24}
